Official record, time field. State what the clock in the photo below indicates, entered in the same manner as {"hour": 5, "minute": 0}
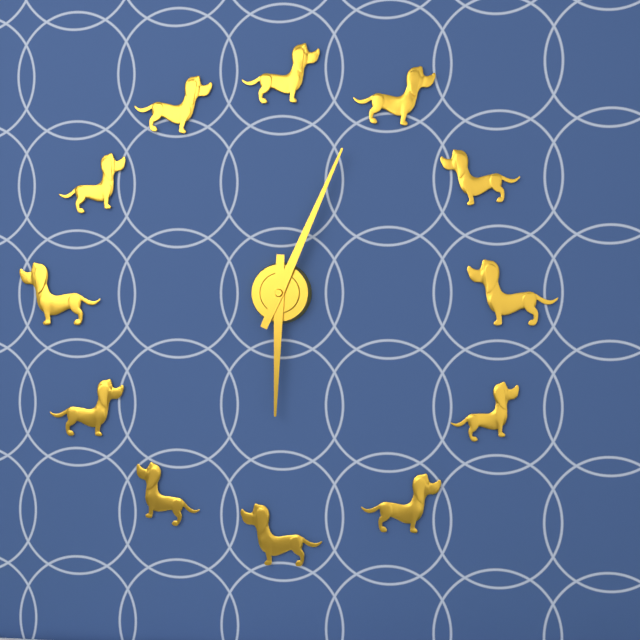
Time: {"hour": 6, "minute": 4}
